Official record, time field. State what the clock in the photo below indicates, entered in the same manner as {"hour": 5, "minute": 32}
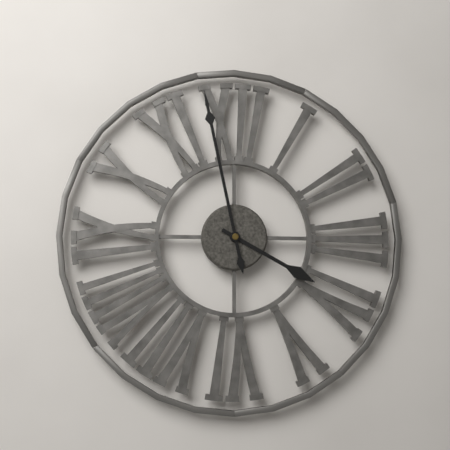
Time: {"hour": 3, "minute": 58}
